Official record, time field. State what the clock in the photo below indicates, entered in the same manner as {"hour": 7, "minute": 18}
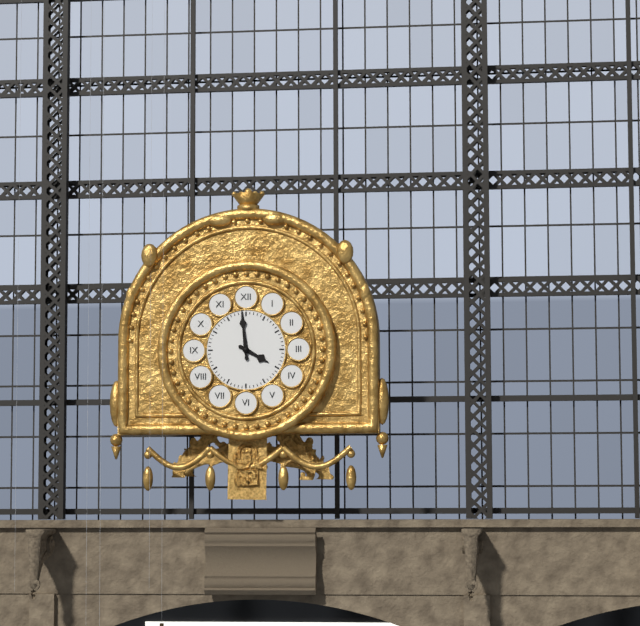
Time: {"hour": 3, "minute": 59}
